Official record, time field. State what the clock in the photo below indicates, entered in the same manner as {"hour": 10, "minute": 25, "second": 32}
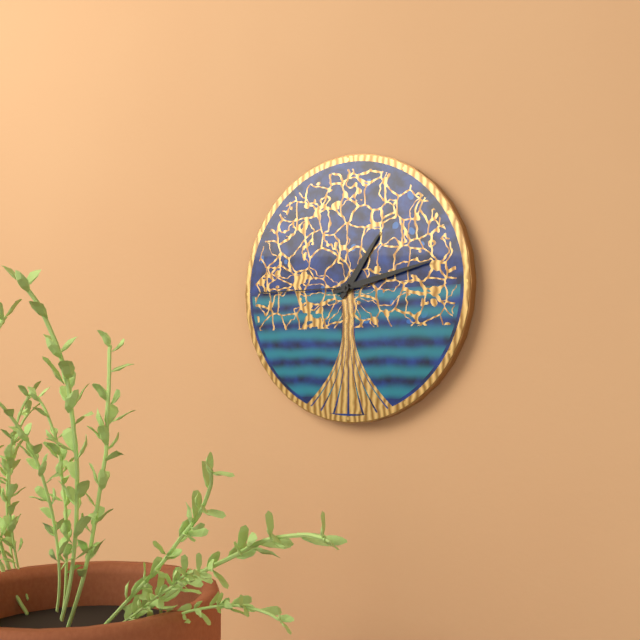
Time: {"hour": 1, "minute": 13, "second": 45}
